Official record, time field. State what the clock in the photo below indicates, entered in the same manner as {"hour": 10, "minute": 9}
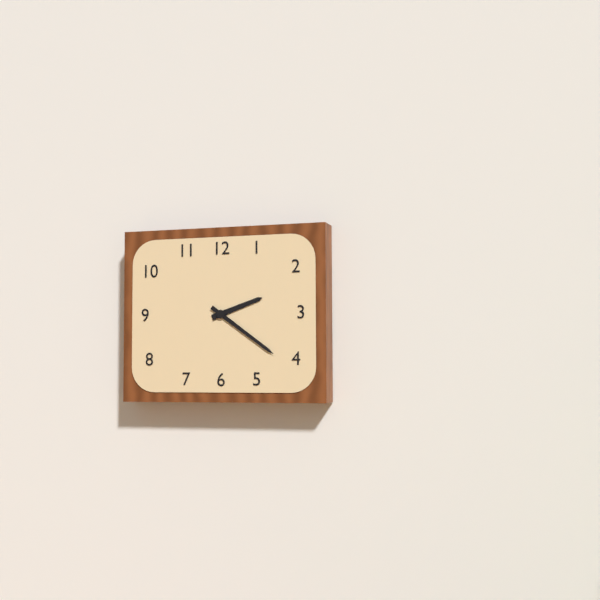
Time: {"hour": 2, "minute": 21}
